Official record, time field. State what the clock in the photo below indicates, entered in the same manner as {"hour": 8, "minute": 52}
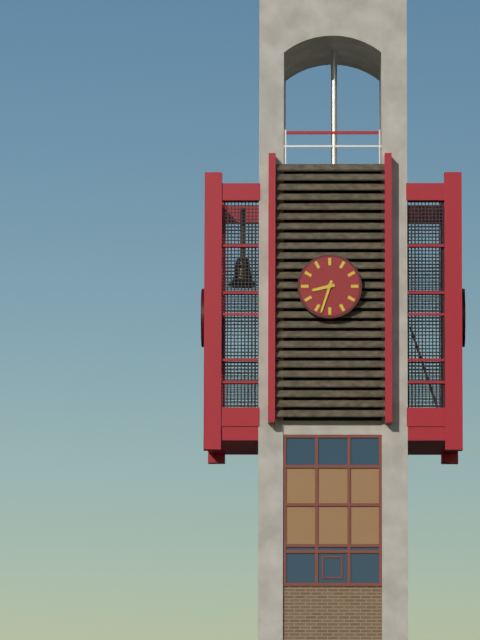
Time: {"hour": 8, "minute": 33}
